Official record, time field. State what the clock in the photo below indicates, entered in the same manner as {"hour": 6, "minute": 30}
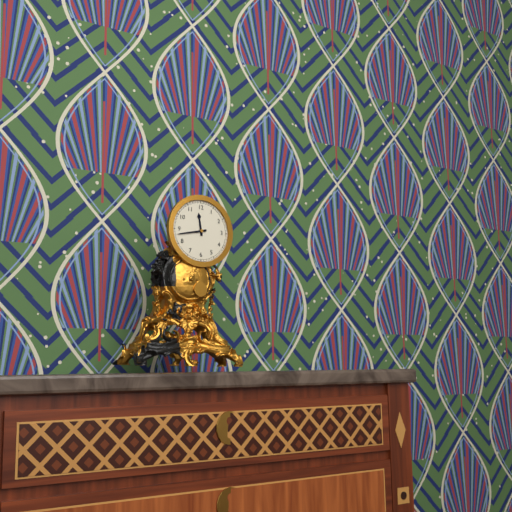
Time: {"hour": 11, "minute": 43}
